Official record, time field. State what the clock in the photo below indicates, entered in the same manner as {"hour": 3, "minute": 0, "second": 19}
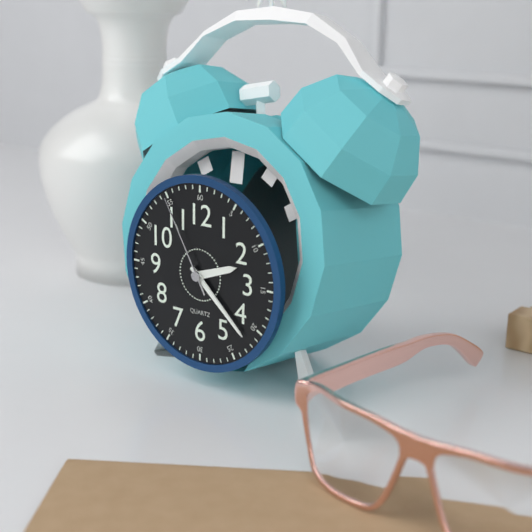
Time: {"hour": 2, "minute": 22, "second": 55}
